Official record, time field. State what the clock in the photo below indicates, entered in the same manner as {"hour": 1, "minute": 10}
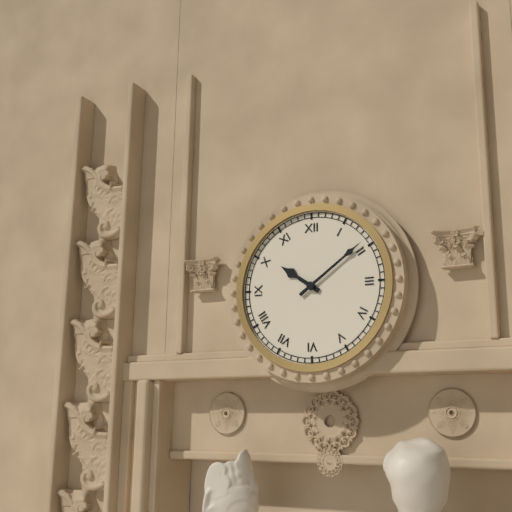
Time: {"hour": 10, "minute": 9}
